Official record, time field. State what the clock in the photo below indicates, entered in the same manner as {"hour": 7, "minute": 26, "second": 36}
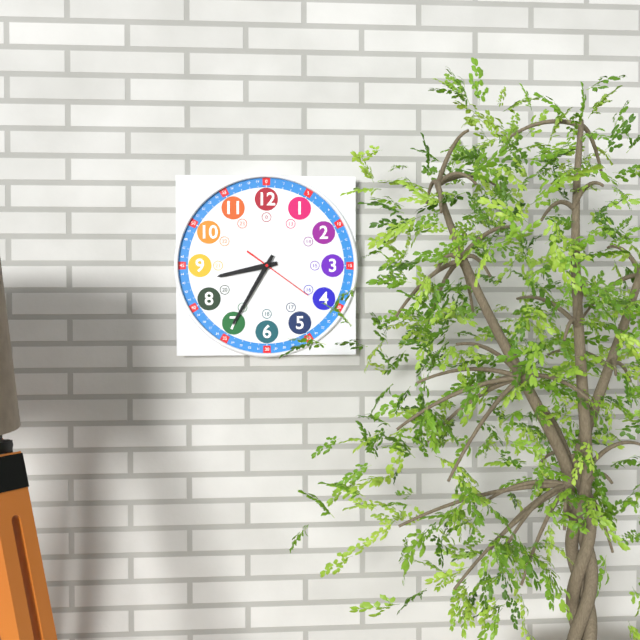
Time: {"hour": 8, "minute": 35, "second": 21}
